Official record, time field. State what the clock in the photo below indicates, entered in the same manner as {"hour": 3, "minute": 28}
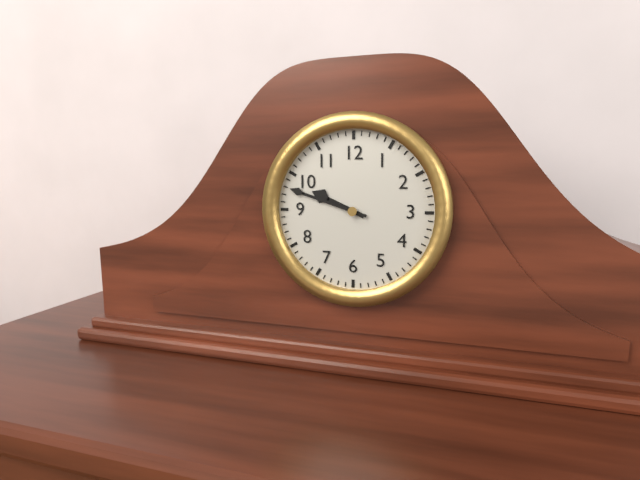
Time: {"hour": 9, "minute": 48}
